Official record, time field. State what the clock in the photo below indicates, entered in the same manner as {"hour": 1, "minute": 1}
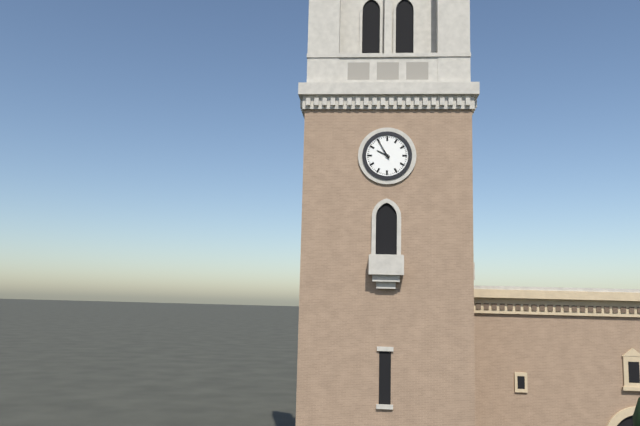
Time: {"hour": 9, "minute": 55}
